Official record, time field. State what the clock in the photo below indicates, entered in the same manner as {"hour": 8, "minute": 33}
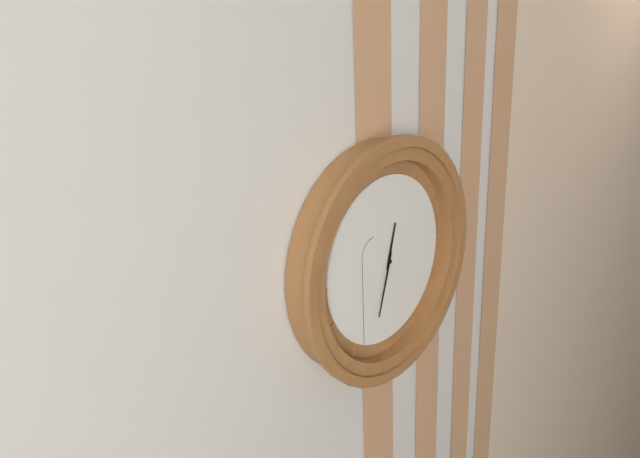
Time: {"hour": 12, "minute": 33}
